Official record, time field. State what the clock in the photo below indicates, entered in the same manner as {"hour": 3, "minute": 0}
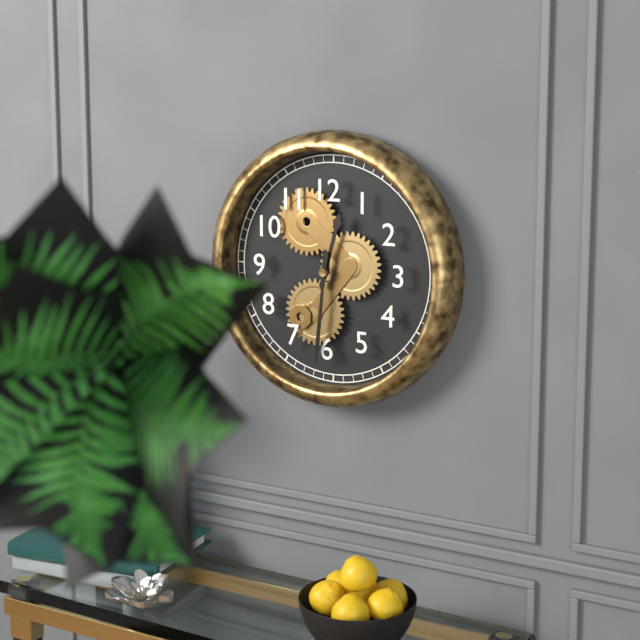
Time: {"hour": 12, "minute": 31}
